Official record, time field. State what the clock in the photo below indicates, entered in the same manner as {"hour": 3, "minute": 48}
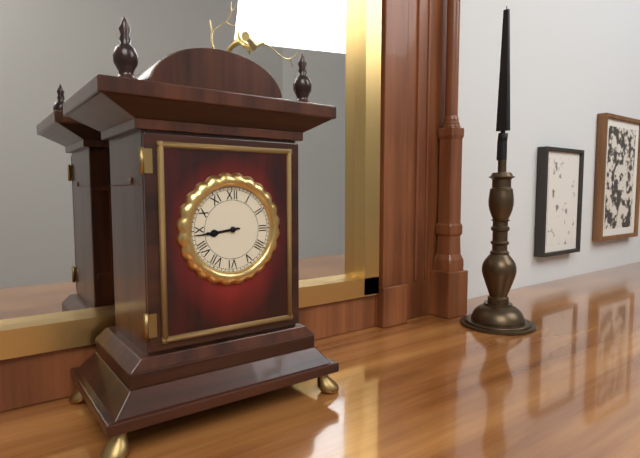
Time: {"hour": 8, "minute": 44}
